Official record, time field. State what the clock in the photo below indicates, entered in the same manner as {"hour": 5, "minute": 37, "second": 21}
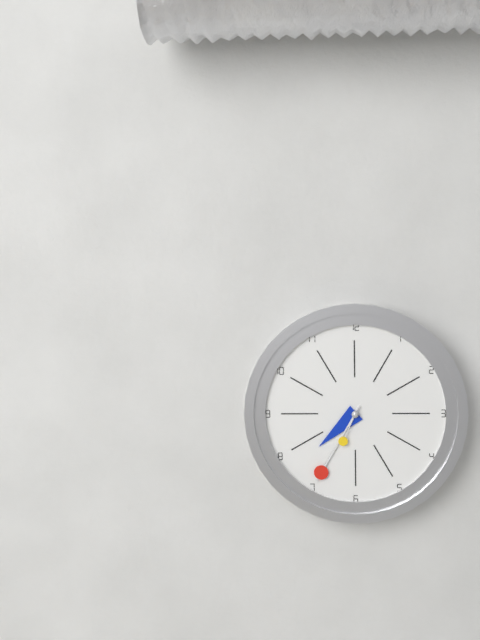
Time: {"hour": 7, "minute": 35, "second": 34}
